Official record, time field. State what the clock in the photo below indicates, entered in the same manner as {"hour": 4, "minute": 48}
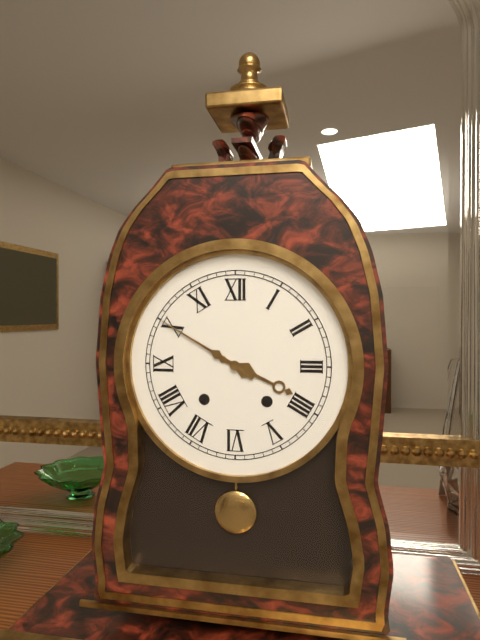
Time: {"hour": 3, "minute": 50}
